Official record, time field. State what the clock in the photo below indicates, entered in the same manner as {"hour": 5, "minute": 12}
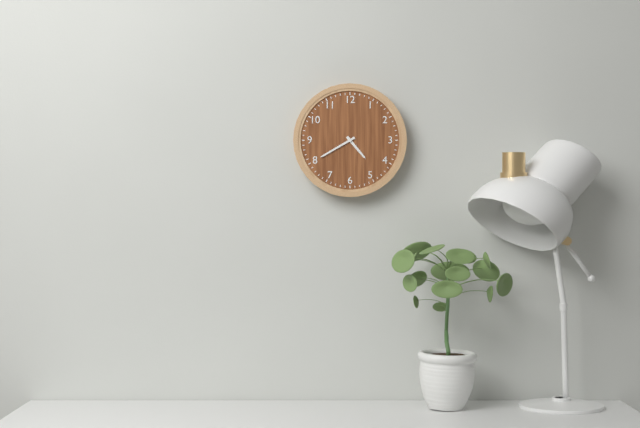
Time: {"hour": 4, "minute": 40}
